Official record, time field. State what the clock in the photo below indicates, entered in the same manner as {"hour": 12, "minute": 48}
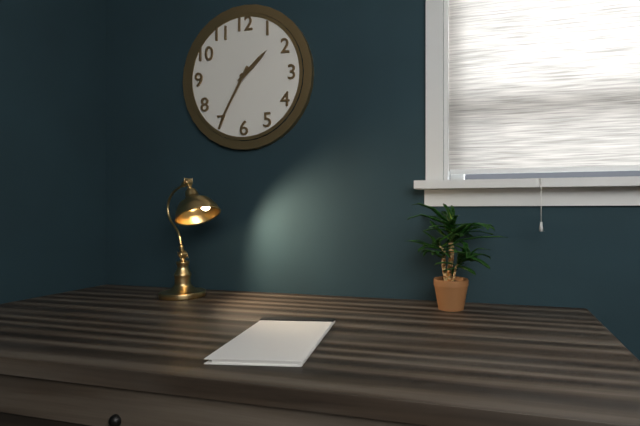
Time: {"hour": 1, "minute": 35}
